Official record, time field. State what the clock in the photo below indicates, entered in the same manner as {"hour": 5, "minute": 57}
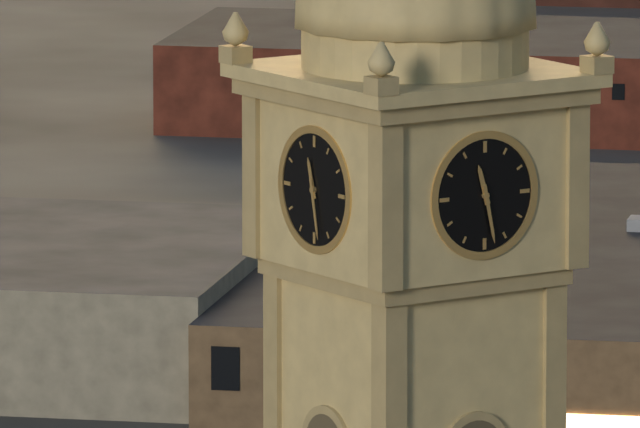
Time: {"hour": 11, "minute": 28}
